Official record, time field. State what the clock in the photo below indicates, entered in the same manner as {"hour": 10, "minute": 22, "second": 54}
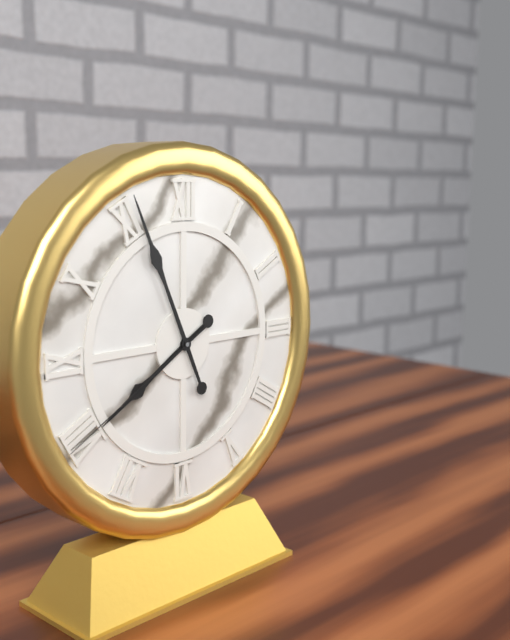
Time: {"hour": 7, "minute": 56, "second": 40}
